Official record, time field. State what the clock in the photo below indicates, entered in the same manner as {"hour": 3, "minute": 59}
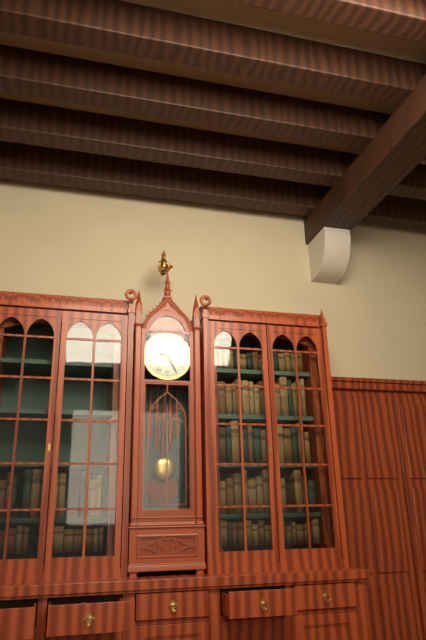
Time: {"hour": 9, "minute": 25}
